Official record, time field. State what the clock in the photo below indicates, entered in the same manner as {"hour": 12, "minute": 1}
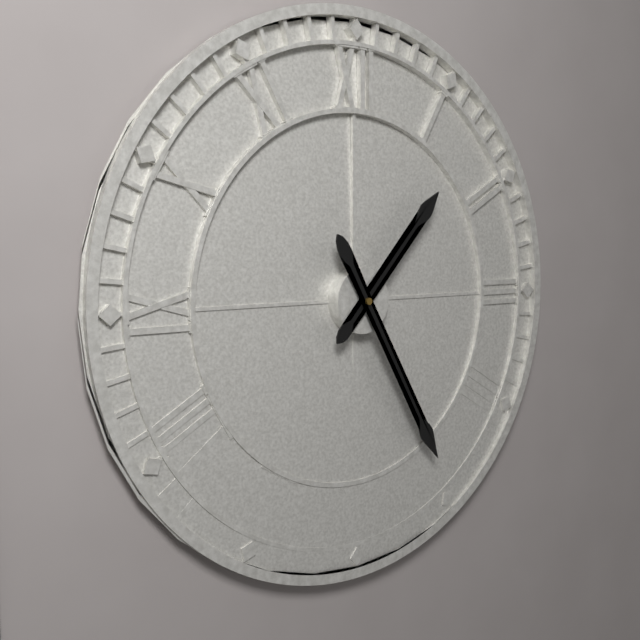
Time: {"hour": 1, "minute": 25}
